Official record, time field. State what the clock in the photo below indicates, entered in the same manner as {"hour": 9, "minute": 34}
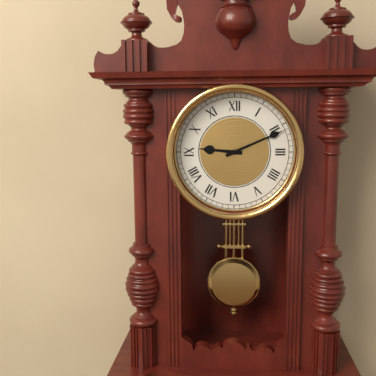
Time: {"hour": 9, "minute": 11}
